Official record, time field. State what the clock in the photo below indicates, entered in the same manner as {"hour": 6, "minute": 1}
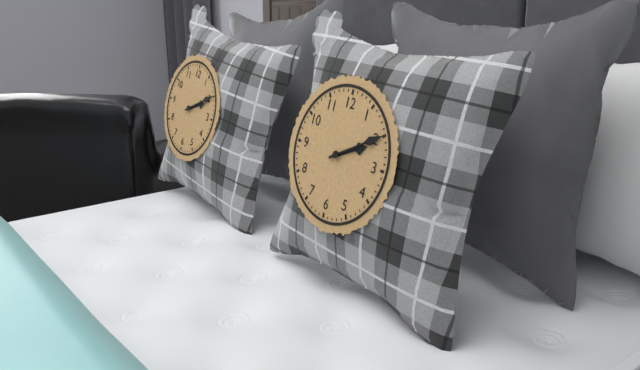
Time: {"hour": 2, "minute": 10}
